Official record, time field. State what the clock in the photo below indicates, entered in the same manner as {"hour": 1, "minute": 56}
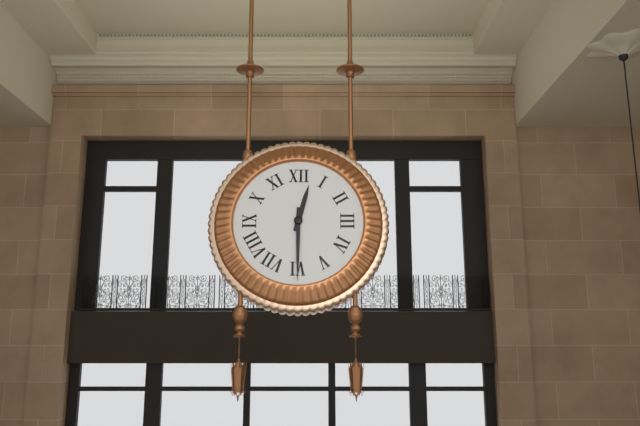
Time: {"hour": 12, "minute": 30}
